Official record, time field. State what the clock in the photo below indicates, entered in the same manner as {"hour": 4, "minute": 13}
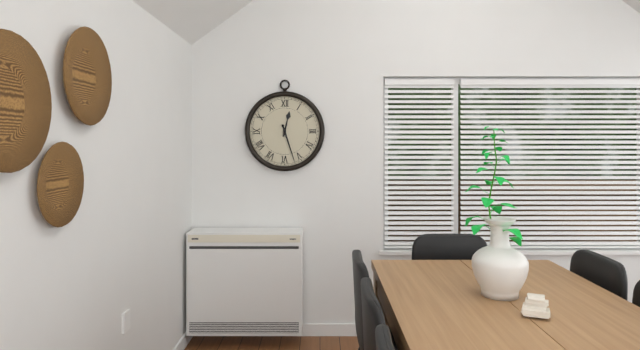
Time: {"hour": 12, "minute": 27}
